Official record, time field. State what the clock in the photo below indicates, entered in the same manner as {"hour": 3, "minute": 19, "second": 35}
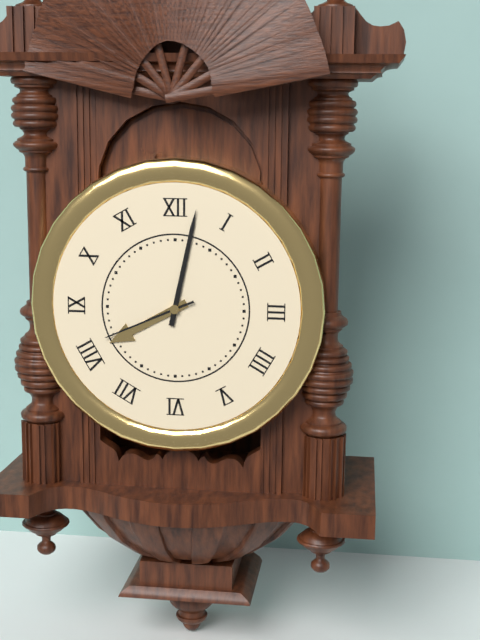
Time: {"hour": 8, "minute": 2, "second": 41}
